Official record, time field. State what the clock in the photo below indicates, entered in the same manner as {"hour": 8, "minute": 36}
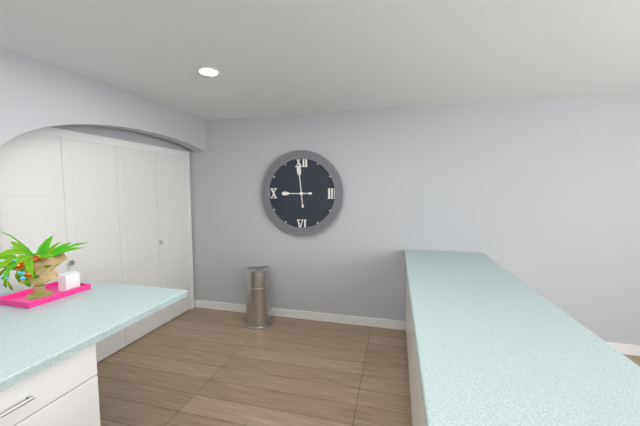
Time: {"hour": 8, "minute": 59}
